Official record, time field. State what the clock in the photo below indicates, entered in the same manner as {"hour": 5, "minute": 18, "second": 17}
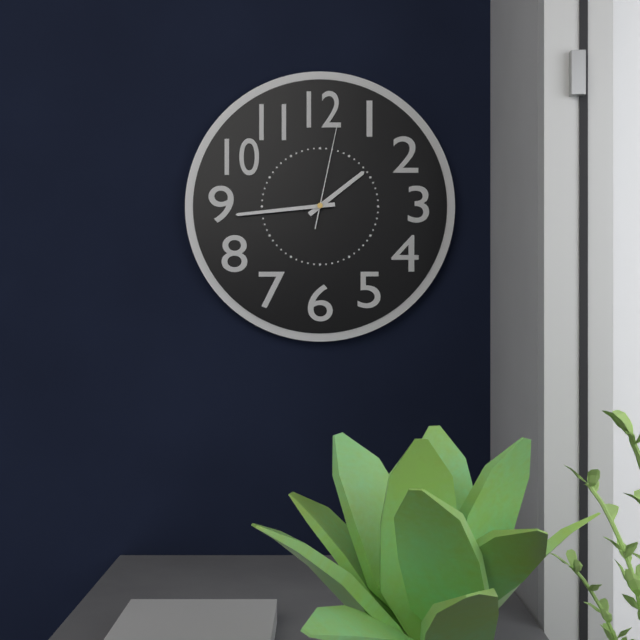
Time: {"hour": 1, "minute": 44, "second": 2}
